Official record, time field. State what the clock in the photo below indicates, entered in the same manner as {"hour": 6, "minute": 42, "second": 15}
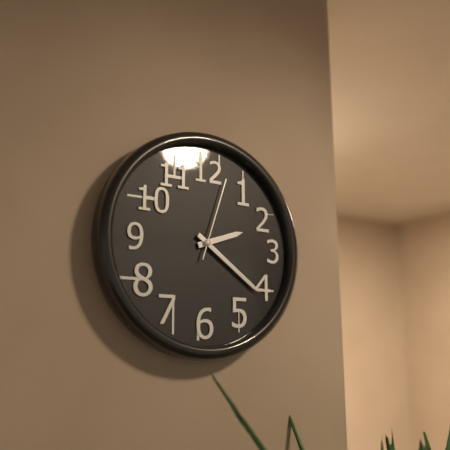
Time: {"hour": 2, "minute": 21, "second": 3}
